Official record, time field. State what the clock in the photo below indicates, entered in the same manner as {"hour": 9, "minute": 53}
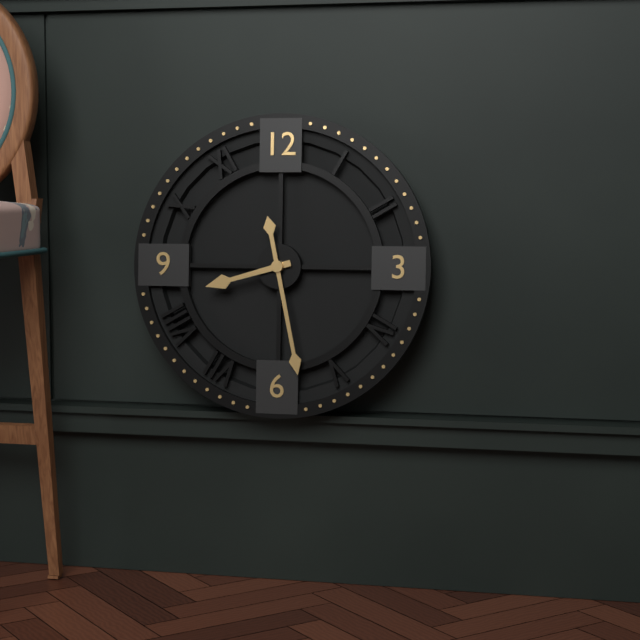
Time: {"hour": 8, "minute": 28}
